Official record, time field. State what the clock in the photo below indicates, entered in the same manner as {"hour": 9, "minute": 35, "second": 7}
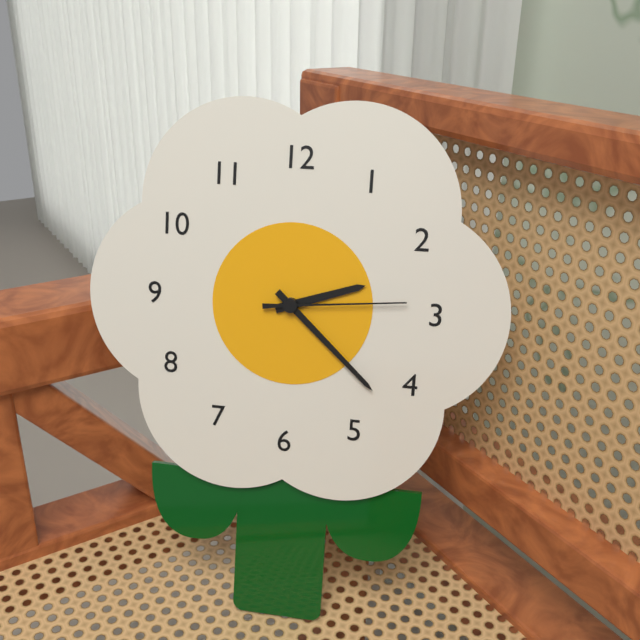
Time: {"hour": 2, "minute": 22, "second": 14}
